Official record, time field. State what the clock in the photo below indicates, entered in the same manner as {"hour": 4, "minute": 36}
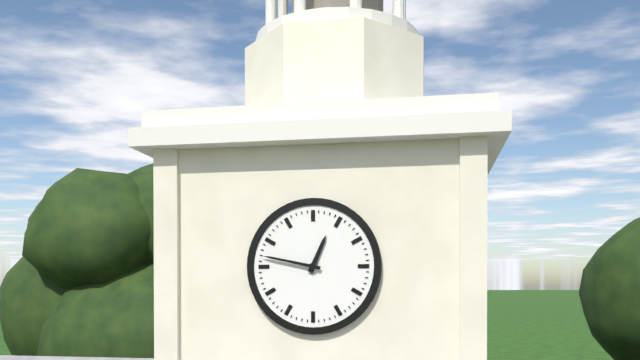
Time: {"hour": 12, "minute": 47}
